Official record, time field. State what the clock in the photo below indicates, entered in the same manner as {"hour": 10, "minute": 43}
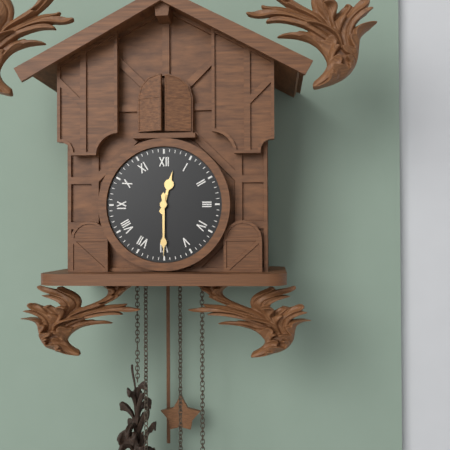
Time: {"hour": 12, "minute": 30}
